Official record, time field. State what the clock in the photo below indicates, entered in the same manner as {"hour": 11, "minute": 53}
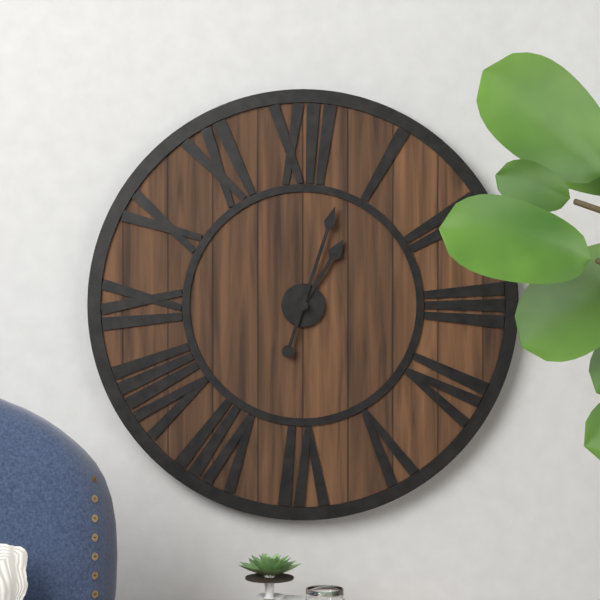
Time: {"hour": 1, "minute": 3}
